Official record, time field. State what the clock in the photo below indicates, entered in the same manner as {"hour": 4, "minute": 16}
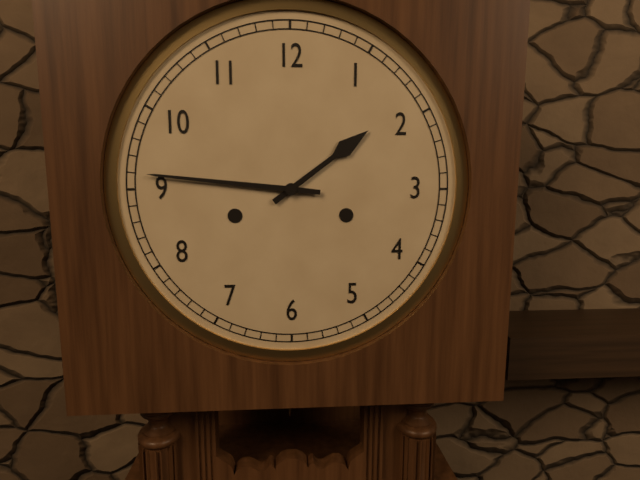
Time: {"hour": 1, "minute": 46}
